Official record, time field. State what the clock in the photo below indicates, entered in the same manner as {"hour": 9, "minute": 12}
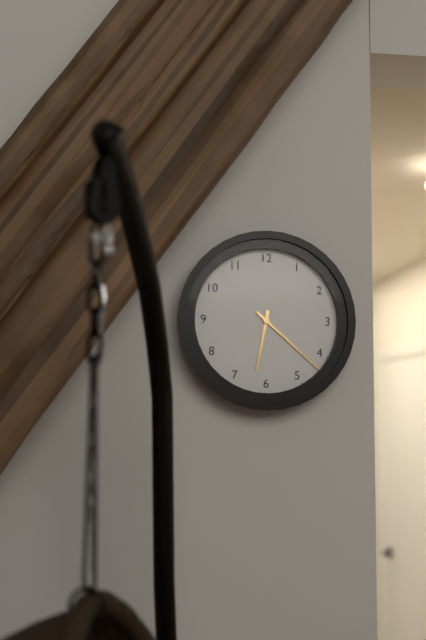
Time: {"hour": 6, "minute": 22}
